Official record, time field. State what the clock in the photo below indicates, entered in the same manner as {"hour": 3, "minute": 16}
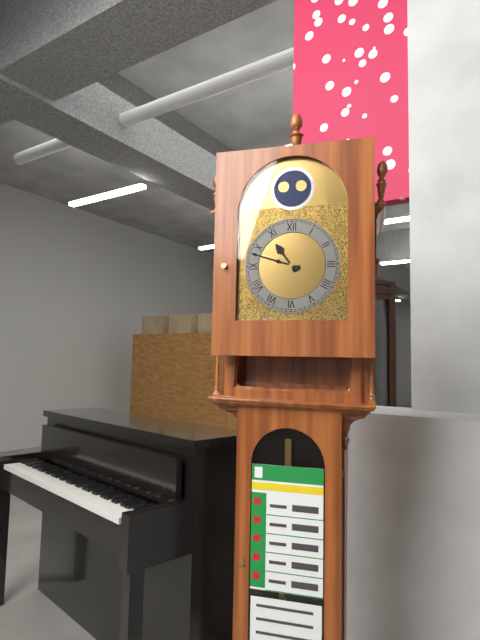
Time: {"hour": 10, "minute": 48}
